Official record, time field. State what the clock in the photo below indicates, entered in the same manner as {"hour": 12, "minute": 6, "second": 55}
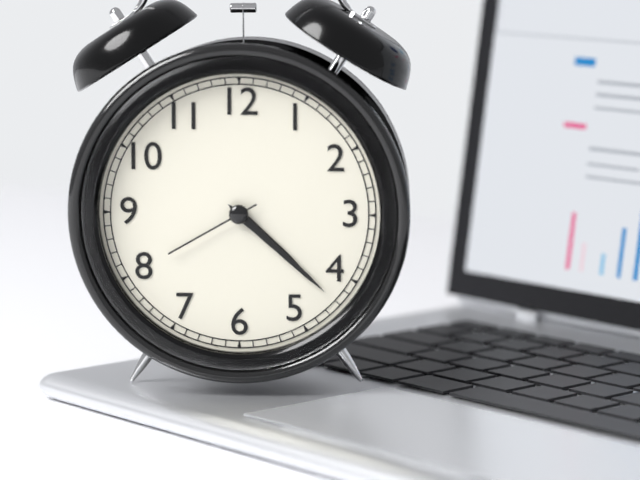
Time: {"hour": 4, "minute": 22, "second": 40}
